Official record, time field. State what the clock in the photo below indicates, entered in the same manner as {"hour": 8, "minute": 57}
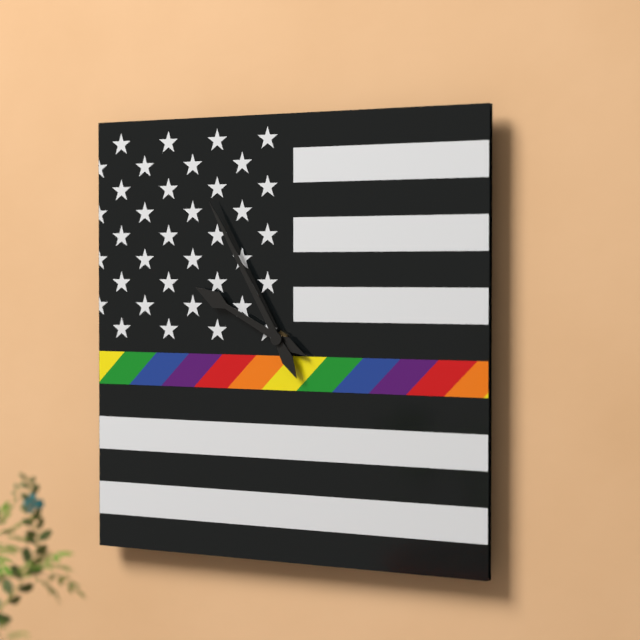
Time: {"hour": 9, "minute": 55}
